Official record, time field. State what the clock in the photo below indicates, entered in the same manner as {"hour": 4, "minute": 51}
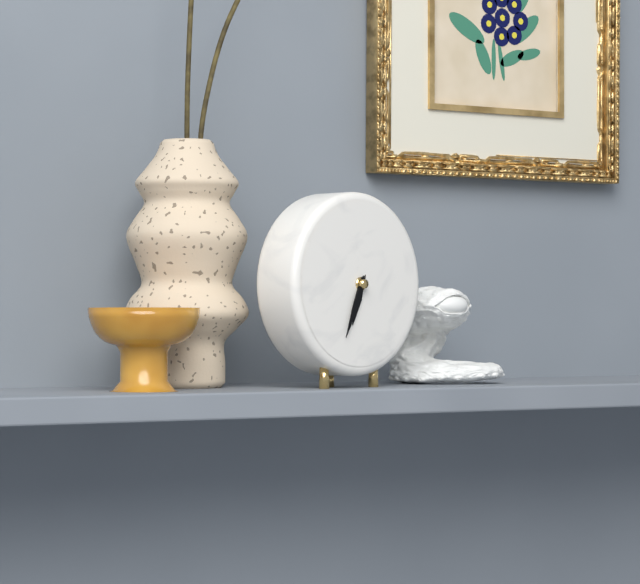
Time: {"hour": 6, "minute": 34}
